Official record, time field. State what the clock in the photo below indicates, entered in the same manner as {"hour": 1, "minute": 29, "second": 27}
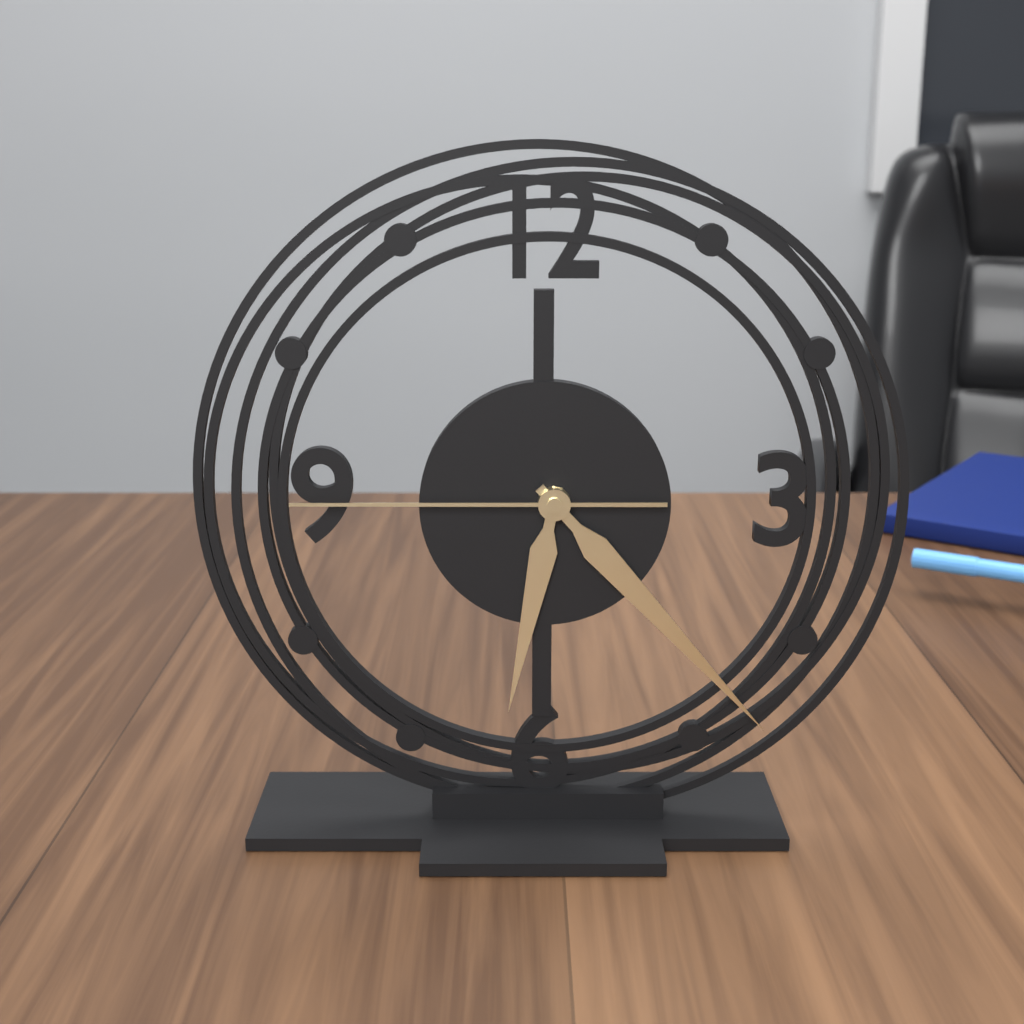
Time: {"hour": 6, "minute": 23, "second": 45}
